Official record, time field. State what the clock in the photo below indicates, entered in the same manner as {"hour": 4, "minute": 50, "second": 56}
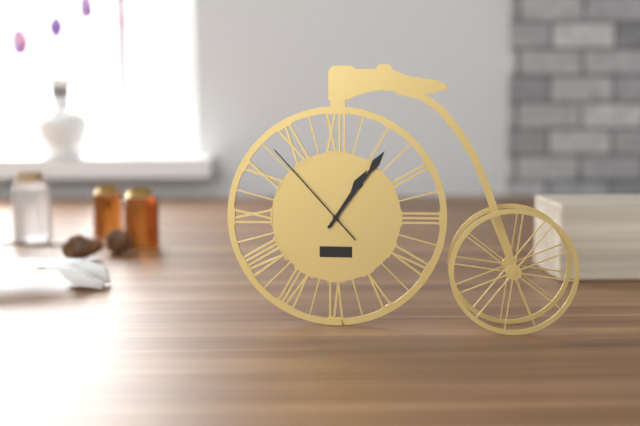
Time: {"hour": 1, "minute": 6, "second": 53}
